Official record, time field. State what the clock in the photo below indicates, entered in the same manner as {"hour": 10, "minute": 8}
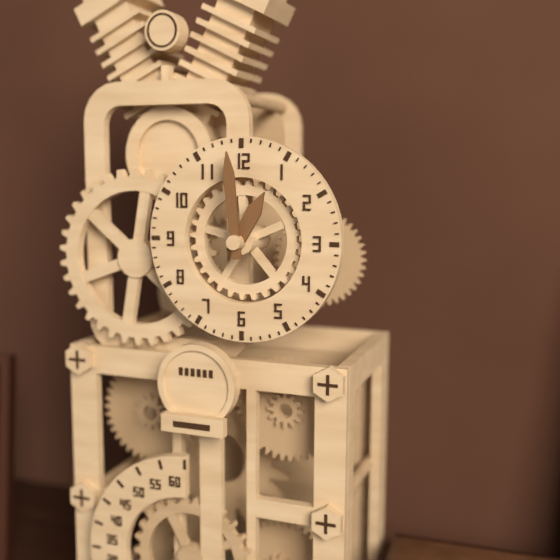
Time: {"hour": 12, "minute": 59}
